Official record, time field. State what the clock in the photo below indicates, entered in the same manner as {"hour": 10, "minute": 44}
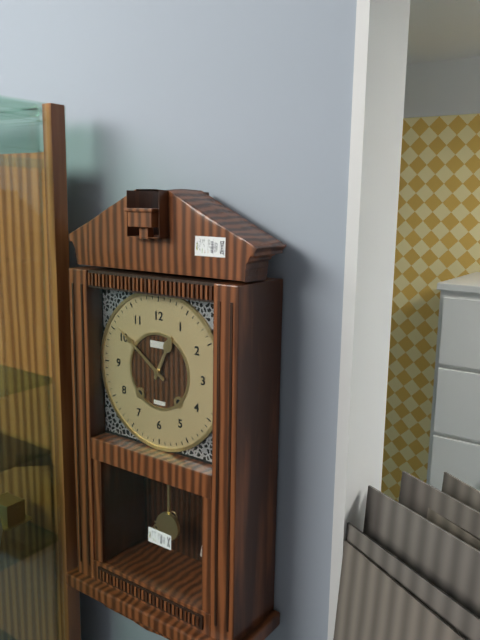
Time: {"hour": 12, "minute": 51}
